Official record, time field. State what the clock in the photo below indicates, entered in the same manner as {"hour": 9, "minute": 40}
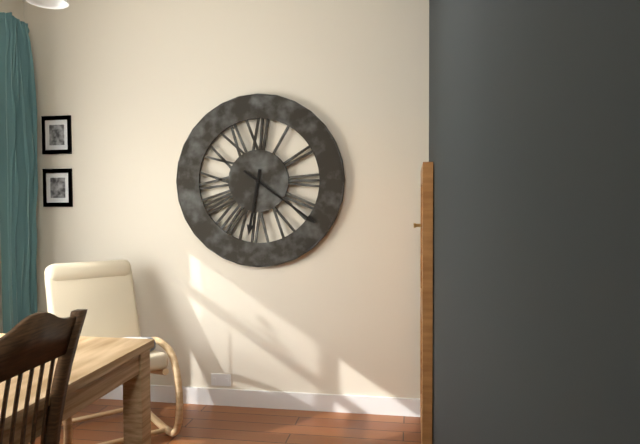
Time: {"hour": 6, "minute": 21}
